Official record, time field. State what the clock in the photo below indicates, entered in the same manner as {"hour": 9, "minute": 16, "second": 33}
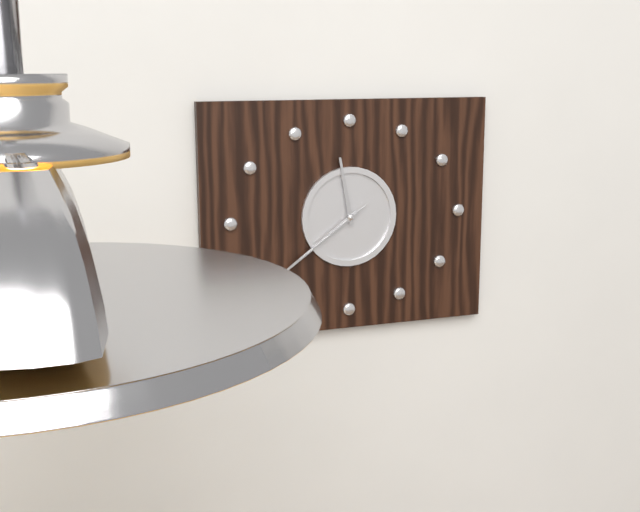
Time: {"hour": 11, "minute": 39, "second": 39}
